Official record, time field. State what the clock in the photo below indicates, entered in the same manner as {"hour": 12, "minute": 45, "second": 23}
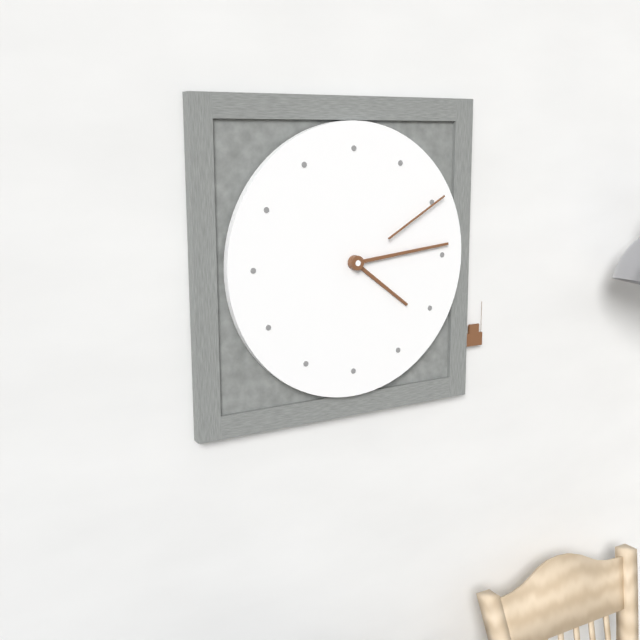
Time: {"hour": 4, "minute": 14, "second": 10}
